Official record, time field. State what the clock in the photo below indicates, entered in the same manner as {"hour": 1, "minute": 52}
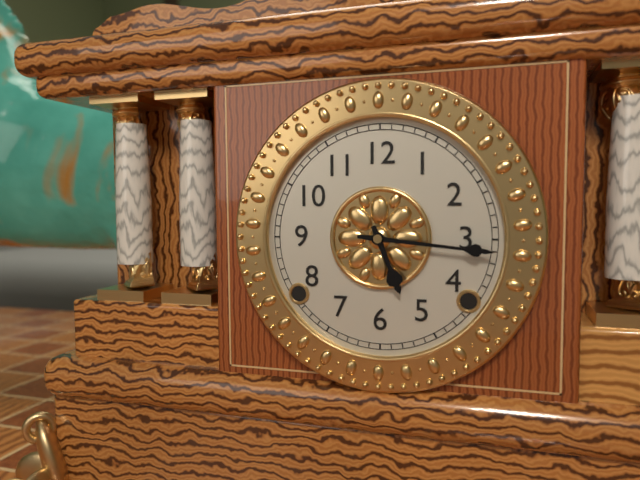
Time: {"hour": 5, "minute": 16}
